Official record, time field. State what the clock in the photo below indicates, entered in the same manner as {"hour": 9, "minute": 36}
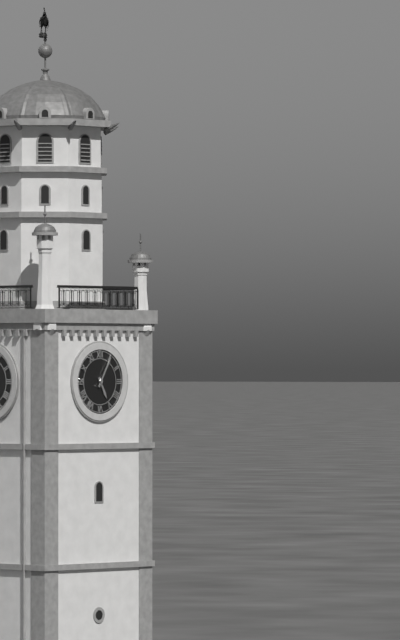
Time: {"hour": 5, "minute": 5}
